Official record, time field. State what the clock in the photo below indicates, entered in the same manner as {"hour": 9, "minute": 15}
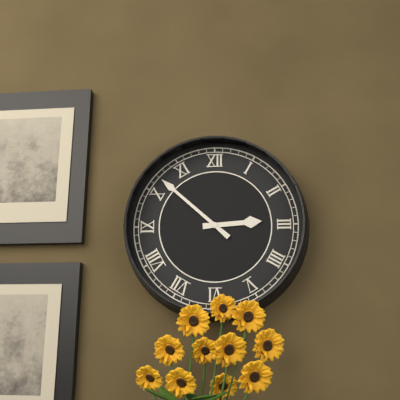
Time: {"hour": 2, "minute": 52}
